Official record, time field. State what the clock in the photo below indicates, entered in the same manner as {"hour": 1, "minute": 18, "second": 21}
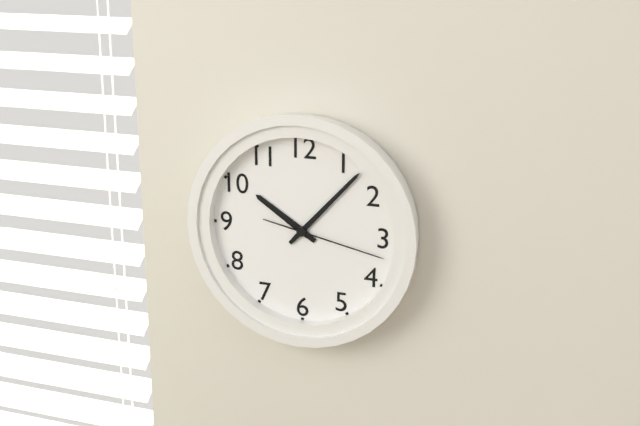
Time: {"hour": 10, "minute": 7, "second": 17}
